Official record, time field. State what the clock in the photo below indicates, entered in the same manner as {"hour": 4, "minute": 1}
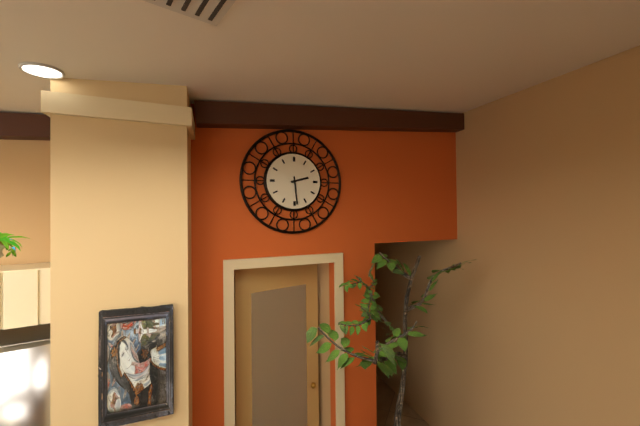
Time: {"hour": 2, "minute": 29}
